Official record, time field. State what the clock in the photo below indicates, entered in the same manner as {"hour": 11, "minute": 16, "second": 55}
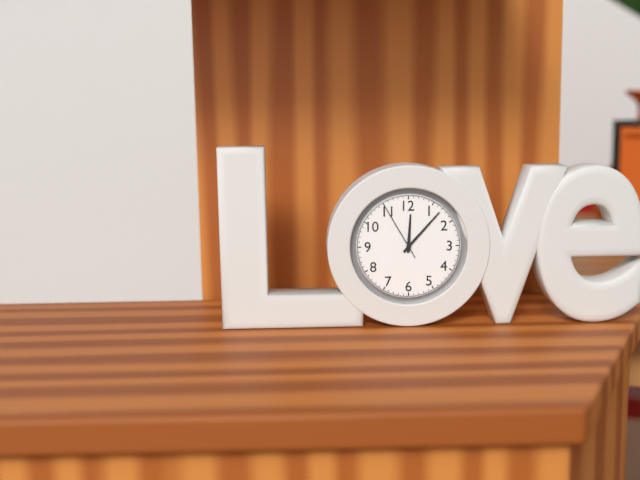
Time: {"hour": 12, "minute": 7, "second": 55}
